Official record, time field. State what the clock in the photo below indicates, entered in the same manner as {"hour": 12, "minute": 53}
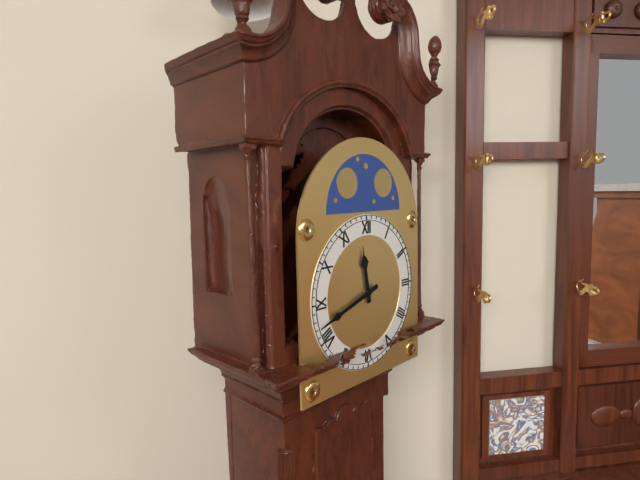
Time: {"hour": 11, "minute": 42}
